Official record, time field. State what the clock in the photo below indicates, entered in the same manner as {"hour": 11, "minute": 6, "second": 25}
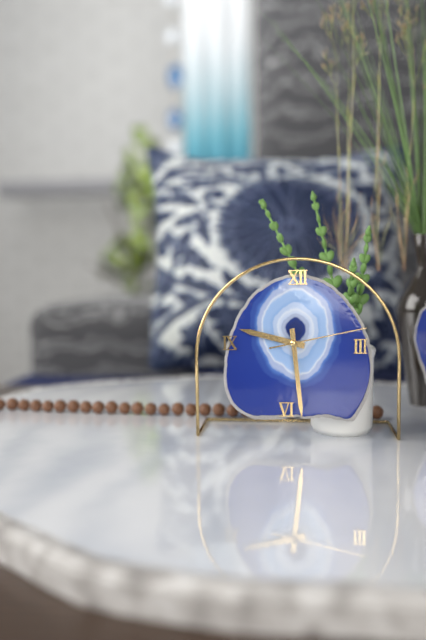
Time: {"hour": 9, "minute": 29, "second": 13}
